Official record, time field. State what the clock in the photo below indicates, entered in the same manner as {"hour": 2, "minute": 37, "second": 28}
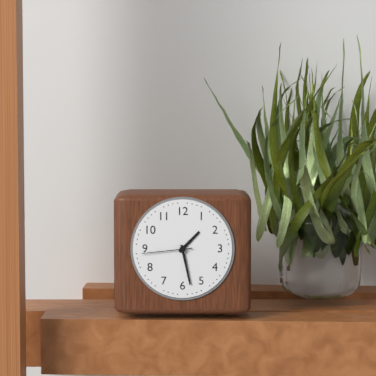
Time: {"hour": 1, "minute": 28, "second": 44}
